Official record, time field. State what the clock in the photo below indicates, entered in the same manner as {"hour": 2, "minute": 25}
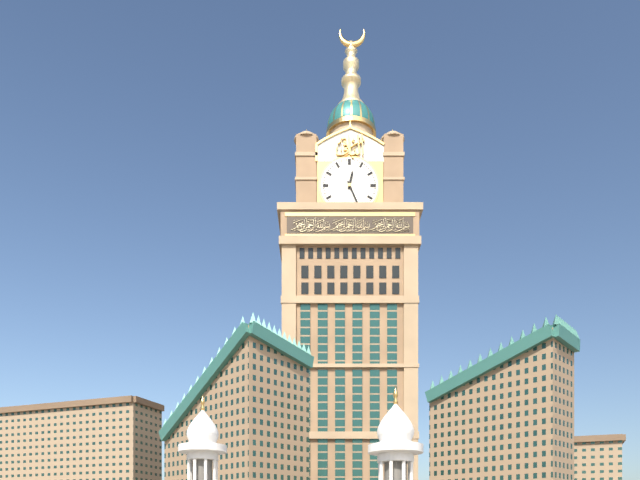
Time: {"hour": 12, "minute": 26}
